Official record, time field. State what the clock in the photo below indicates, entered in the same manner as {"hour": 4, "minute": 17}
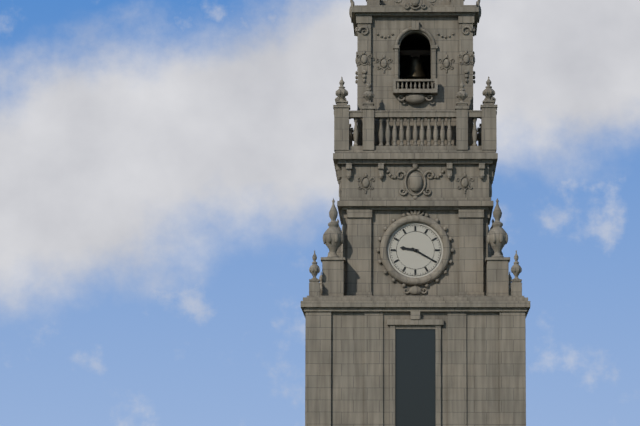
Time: {"hour": 9, "minute": 20}
